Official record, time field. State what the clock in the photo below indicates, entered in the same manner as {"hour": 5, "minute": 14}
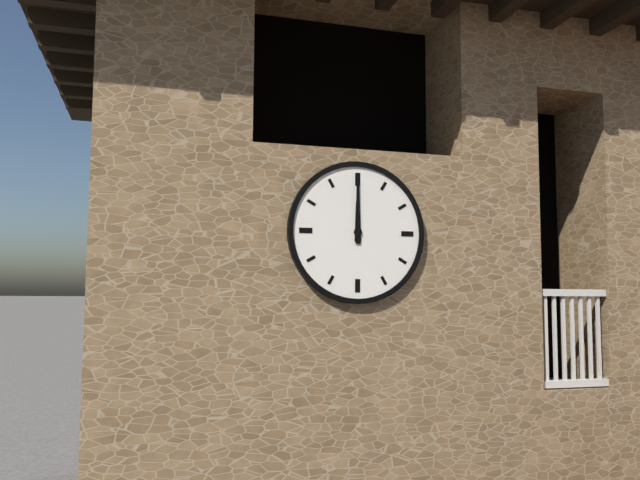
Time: {"hour": 12, "minute": 0}
